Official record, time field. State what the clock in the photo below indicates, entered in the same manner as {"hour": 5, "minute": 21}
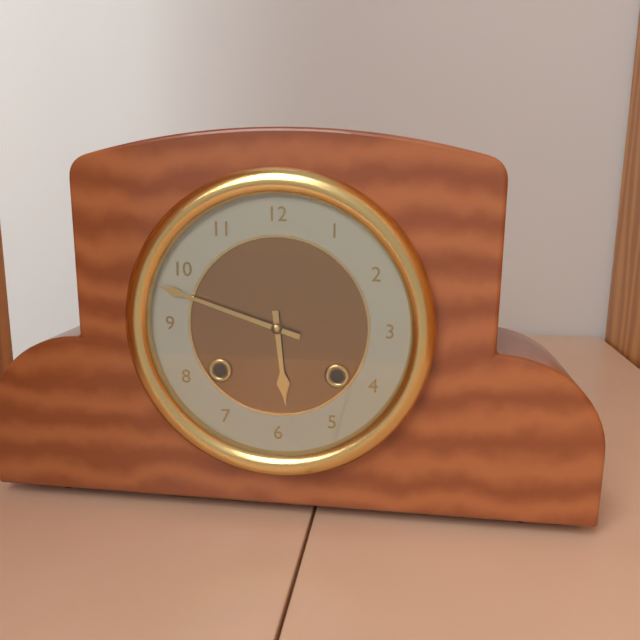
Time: {"hour": 5, "minute": 48}
